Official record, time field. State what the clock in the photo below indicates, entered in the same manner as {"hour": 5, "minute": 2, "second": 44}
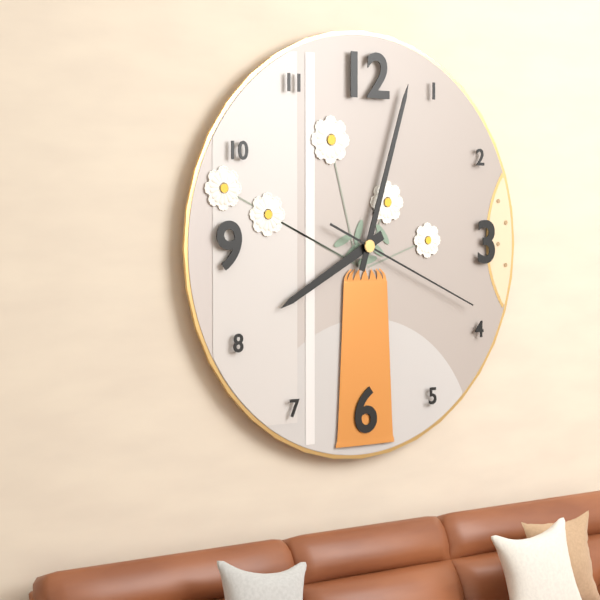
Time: {"hour": 8, "minute": 3, "second": 19}
